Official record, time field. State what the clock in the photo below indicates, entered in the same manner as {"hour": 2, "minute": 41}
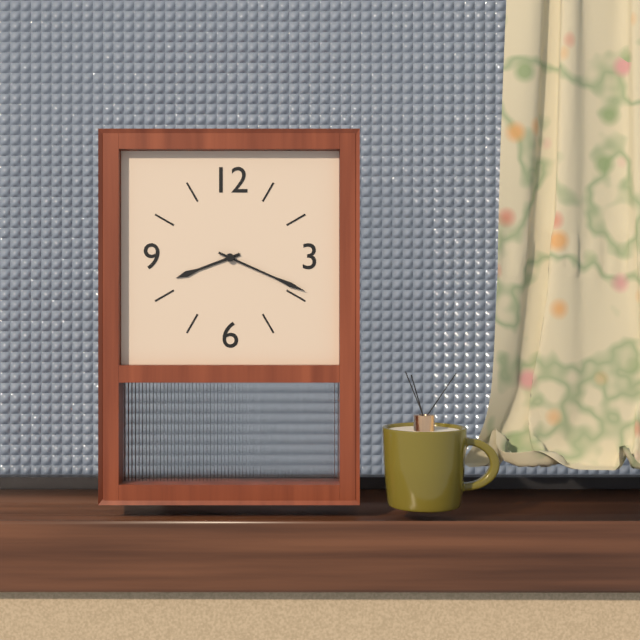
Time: {"hour": 8, "minute": 19}
